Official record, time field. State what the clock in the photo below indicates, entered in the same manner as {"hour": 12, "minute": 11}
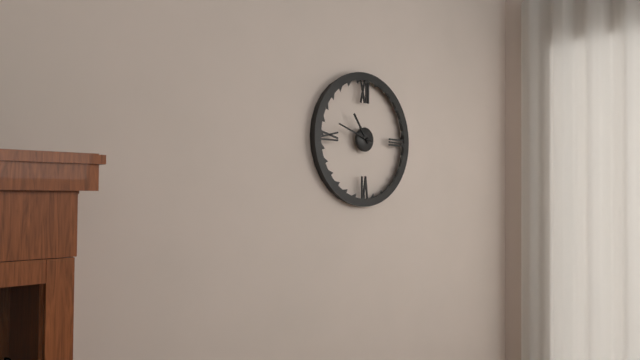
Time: {"hour": 10, "minute": 48}
